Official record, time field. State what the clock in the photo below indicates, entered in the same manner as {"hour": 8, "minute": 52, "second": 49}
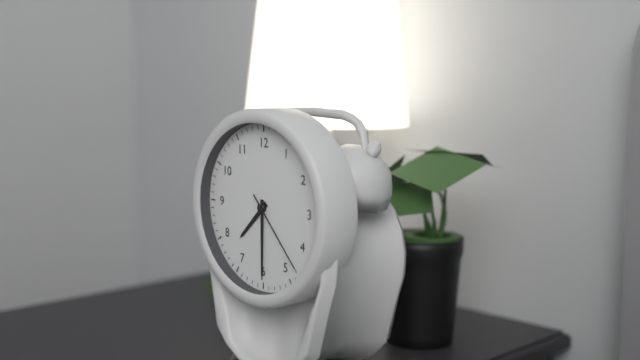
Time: {"hour": 7, "minute": 30, "second": 23}
